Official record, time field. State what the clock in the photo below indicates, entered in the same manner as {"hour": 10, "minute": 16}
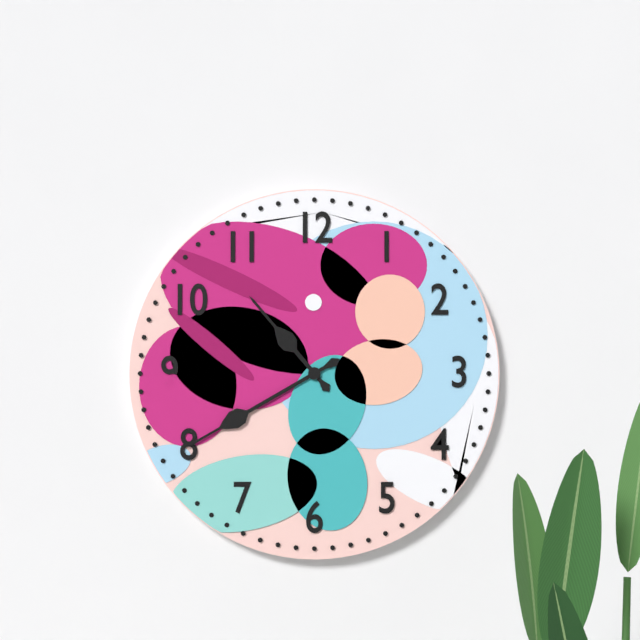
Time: {"hour": 10, "minute": 40}
